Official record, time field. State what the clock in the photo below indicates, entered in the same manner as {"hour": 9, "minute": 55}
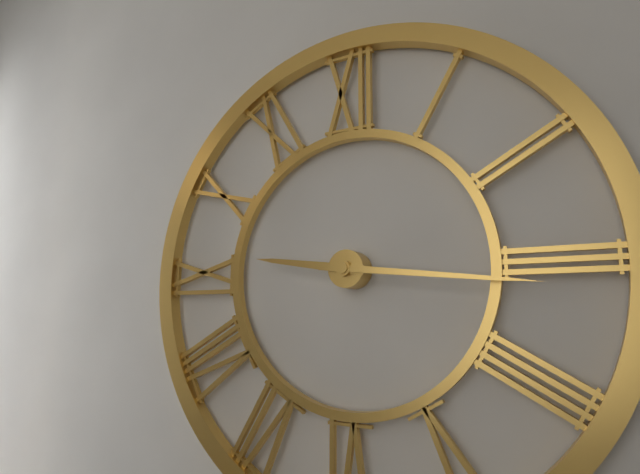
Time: {"hour": 9, "minute": 16}
